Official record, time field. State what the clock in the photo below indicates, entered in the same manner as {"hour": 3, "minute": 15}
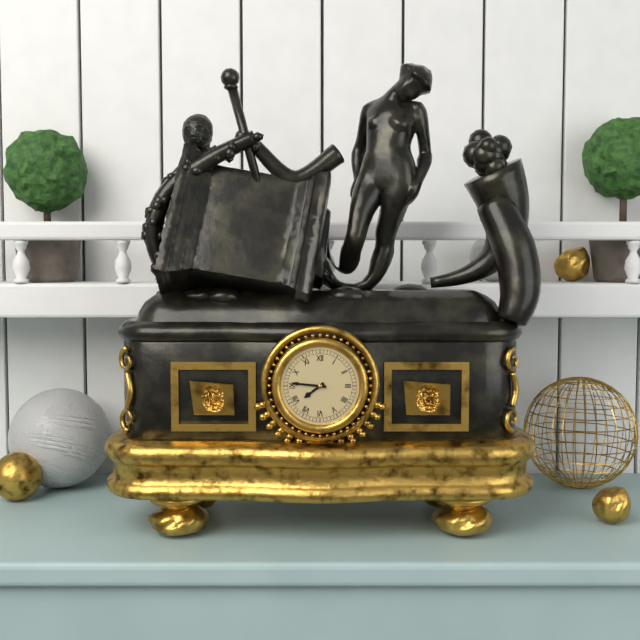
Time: {"hour": 7, "minute": 46}
